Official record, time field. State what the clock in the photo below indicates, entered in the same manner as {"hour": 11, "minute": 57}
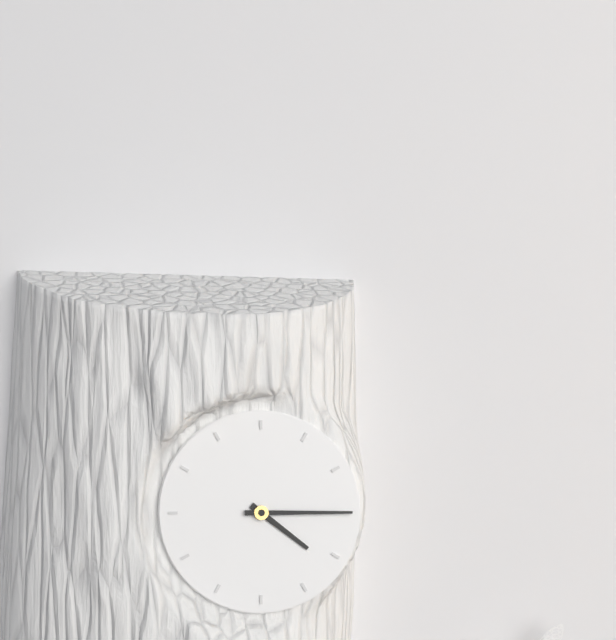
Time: {"hour": 4, "minute": 15}
